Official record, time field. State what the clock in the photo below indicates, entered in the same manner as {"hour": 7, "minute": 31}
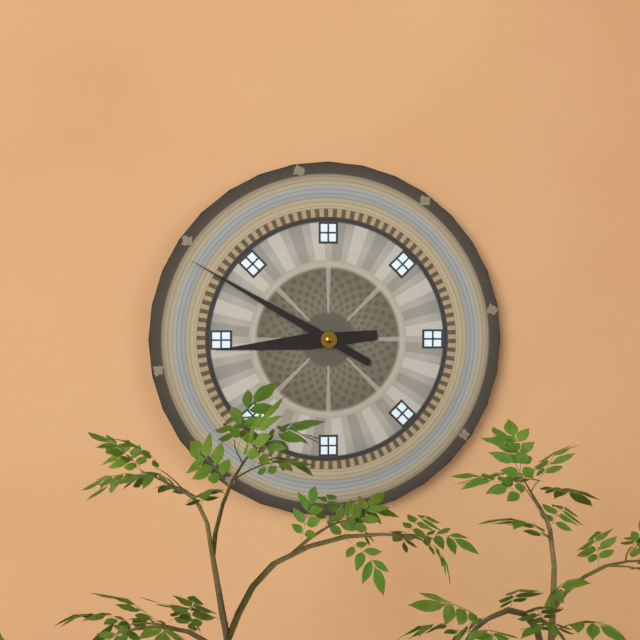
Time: {"hour": 8, "minute": 50}
